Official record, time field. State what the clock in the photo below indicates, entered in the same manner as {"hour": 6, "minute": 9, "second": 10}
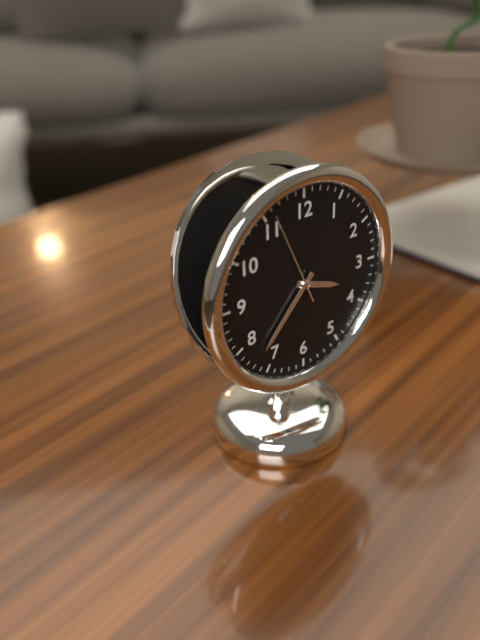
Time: {"hour": 3, "minute": 37, "second": 56}
